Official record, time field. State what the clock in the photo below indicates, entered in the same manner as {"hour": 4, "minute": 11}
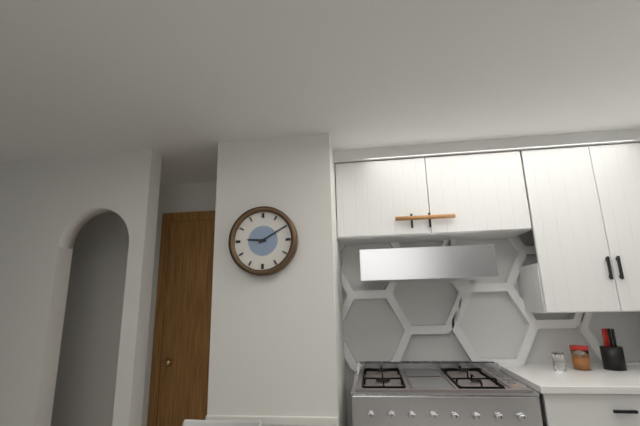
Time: {"hour": 9, "minute": 10}
